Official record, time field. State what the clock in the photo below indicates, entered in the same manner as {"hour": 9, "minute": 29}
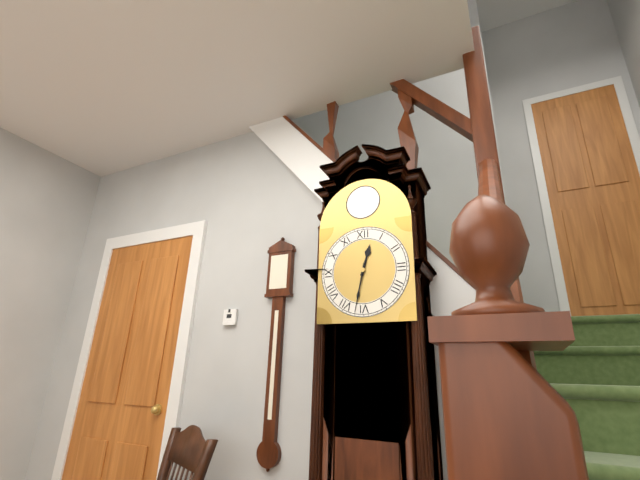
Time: {"hour": 12, "minute": 32}
